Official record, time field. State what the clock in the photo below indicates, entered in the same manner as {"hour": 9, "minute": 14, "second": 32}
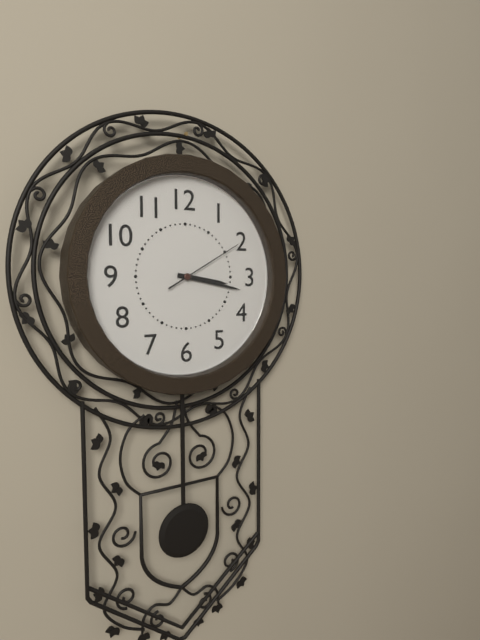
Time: {"hour": 3, "minute": 17, "second": 10}
